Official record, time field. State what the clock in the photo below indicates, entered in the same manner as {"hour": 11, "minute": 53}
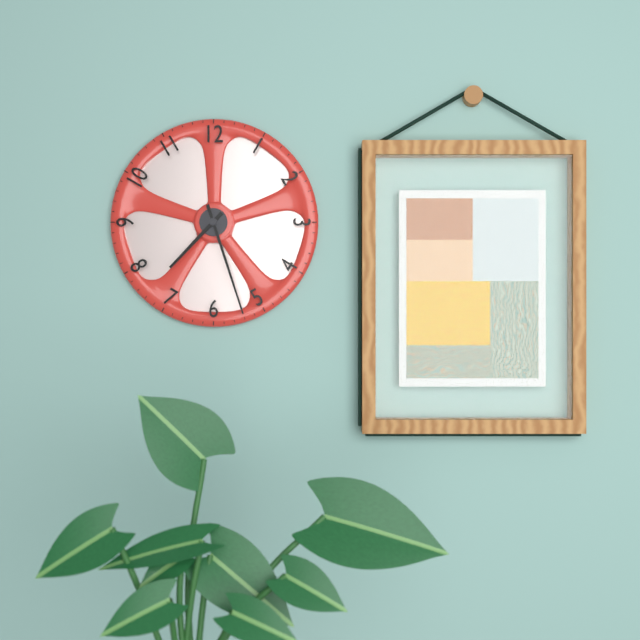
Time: {"hour": 7, "minute": 27}
